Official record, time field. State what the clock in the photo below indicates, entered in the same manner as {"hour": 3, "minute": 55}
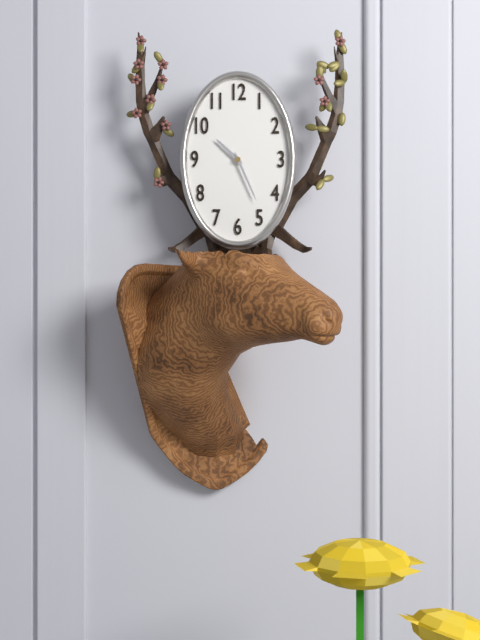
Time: {"hour": 10, "minute": 26}
